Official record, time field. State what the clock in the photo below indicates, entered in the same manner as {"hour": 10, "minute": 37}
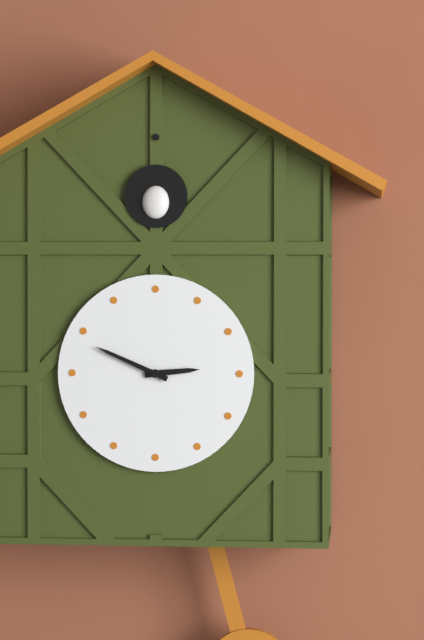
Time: {"hour": 2, "minute": 49}
